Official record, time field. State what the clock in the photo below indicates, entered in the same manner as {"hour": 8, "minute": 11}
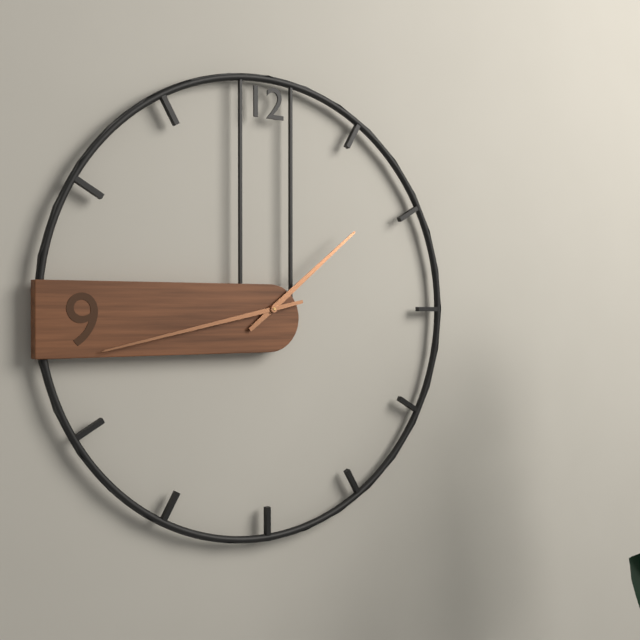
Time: {"hour": 1, "minute": 43}
